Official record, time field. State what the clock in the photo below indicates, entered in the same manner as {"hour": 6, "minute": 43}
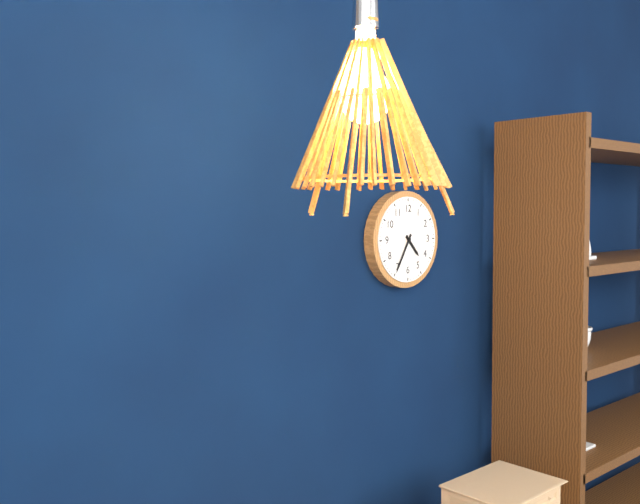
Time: {"hour": 4, "minute": 35}
